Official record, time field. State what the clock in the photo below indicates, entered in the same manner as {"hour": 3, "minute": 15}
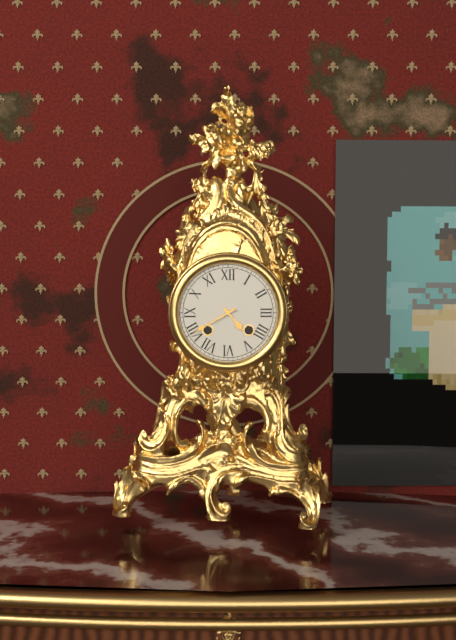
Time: {"hour": 4, "minute": 40}
